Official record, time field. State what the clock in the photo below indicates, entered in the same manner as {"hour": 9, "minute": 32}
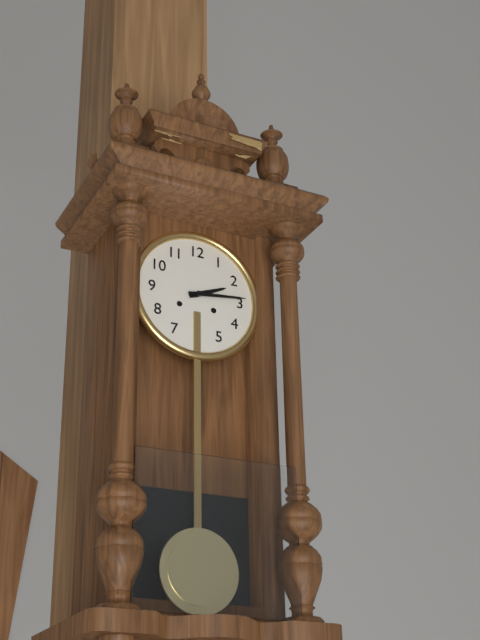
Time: {"hour": 2, "minute": 14}
